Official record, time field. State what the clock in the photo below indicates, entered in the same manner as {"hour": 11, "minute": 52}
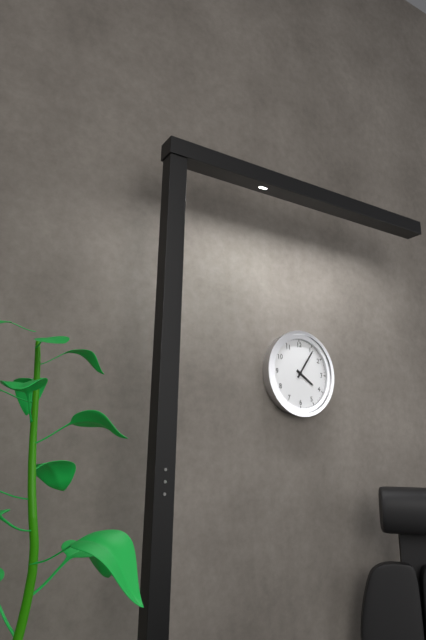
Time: {"hour": 4, "minute": 6}
